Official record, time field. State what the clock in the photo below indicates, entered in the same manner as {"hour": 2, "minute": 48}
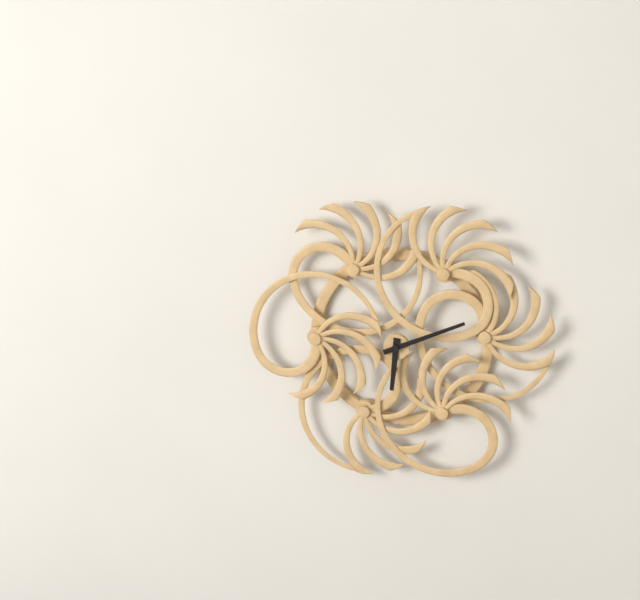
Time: {"hour": 6, "minute": 11}
